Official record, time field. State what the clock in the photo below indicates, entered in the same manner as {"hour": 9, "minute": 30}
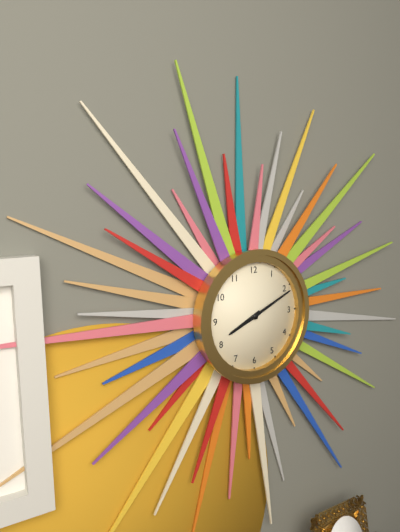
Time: {"hour": 8, "minute": 11}
